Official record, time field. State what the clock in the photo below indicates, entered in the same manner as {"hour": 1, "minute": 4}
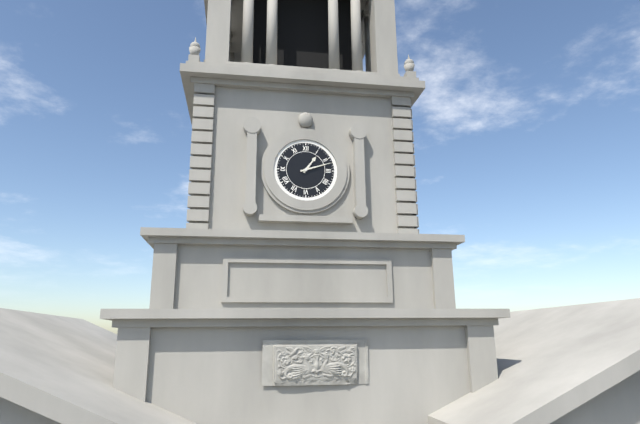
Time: {"hour": 1, "minute": 12}
